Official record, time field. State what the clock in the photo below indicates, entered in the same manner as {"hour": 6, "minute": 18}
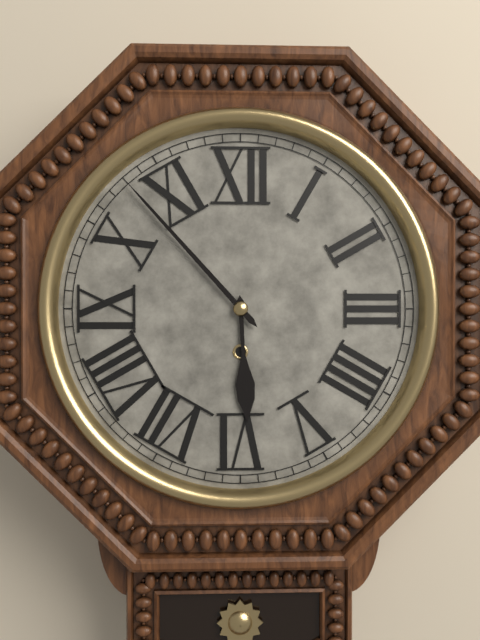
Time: {"hour": 5, "minute": 53}
